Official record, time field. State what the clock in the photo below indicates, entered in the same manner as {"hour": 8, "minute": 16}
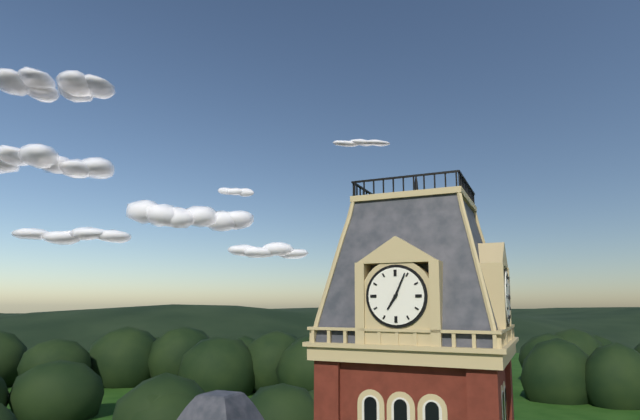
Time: {"hour": 7, "minute": 4}
